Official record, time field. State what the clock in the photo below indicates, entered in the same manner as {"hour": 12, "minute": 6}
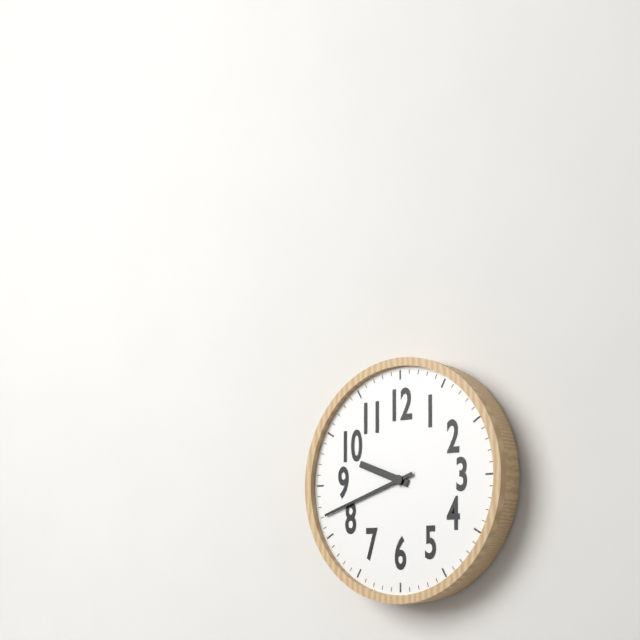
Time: {"hour": 9, "minute": 42}
